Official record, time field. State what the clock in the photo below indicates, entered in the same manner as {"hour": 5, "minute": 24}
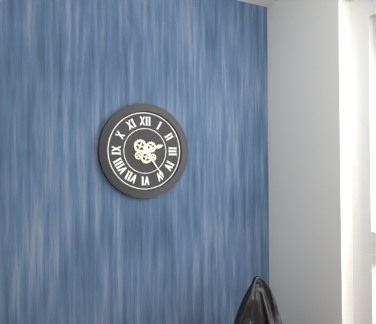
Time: {"hour": 2, "minute": 24}
